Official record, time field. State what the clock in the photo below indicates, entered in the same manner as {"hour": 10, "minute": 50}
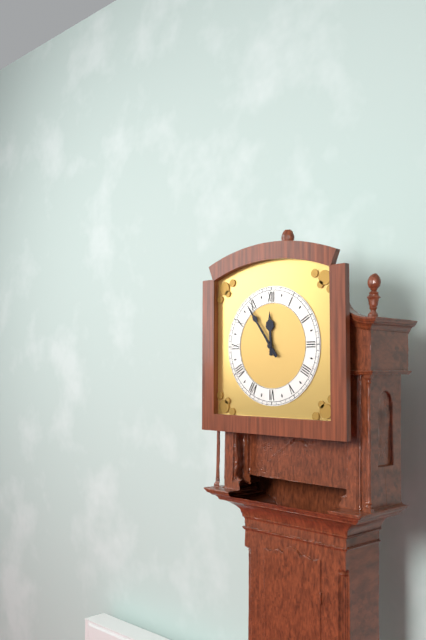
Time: {"hour": 11, "minute": 54}
